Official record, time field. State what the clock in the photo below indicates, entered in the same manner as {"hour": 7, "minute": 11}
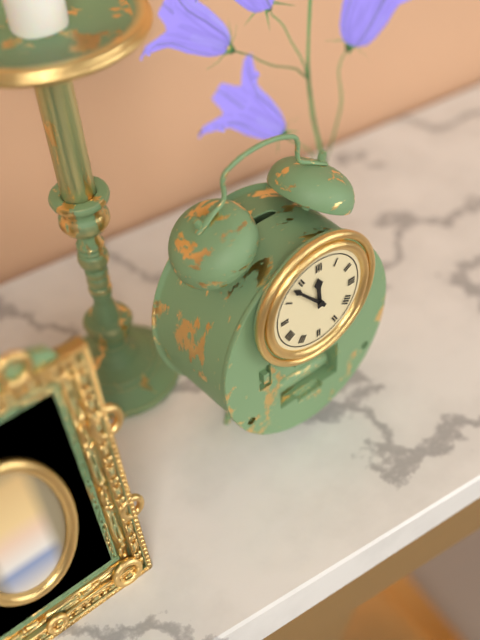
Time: {"hour": 11, "minute": 53}
